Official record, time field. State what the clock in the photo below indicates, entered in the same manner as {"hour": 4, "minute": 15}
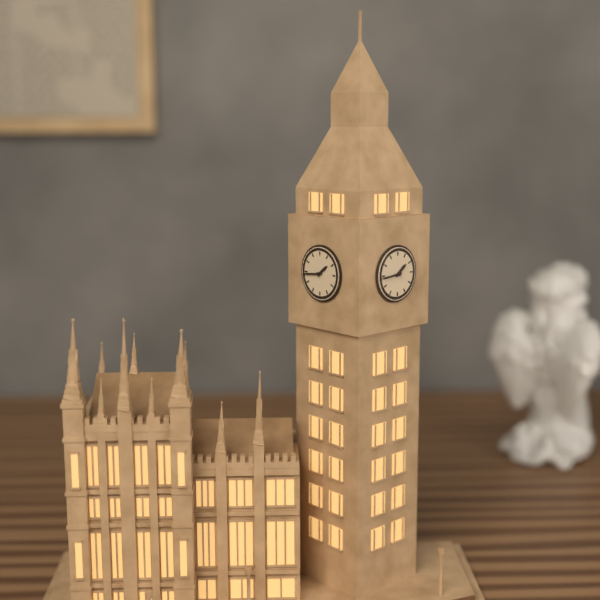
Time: {"hour": 1, "minute": 44}
